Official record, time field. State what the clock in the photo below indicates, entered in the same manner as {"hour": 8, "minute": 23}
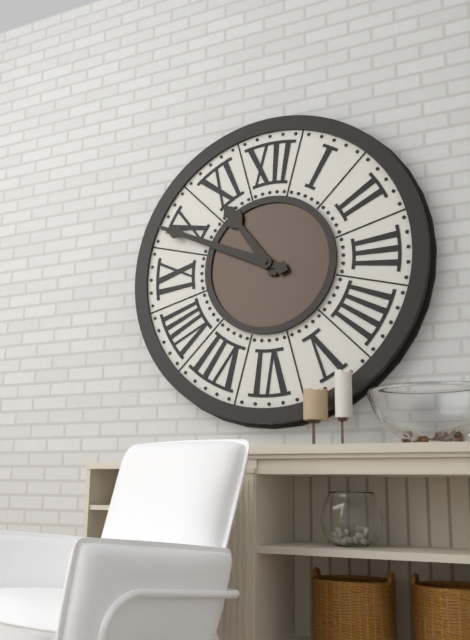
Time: {"hour": 10, "minute": 49}
